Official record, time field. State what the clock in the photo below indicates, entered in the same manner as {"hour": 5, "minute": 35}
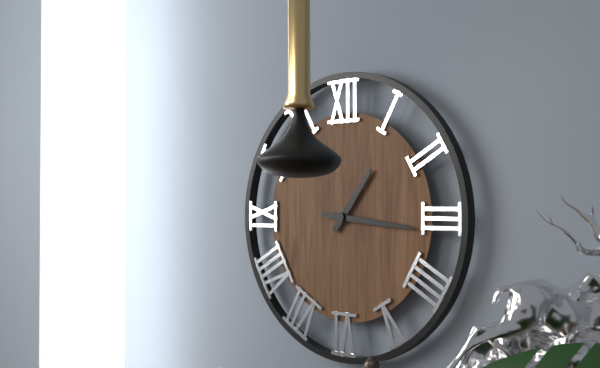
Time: {"hour": 1, "minute": 16}
